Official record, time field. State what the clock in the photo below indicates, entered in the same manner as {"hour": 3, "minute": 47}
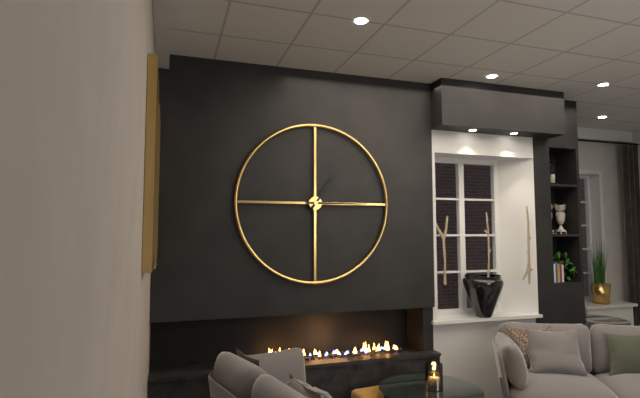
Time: {"hour": 1, "minute": 15}
